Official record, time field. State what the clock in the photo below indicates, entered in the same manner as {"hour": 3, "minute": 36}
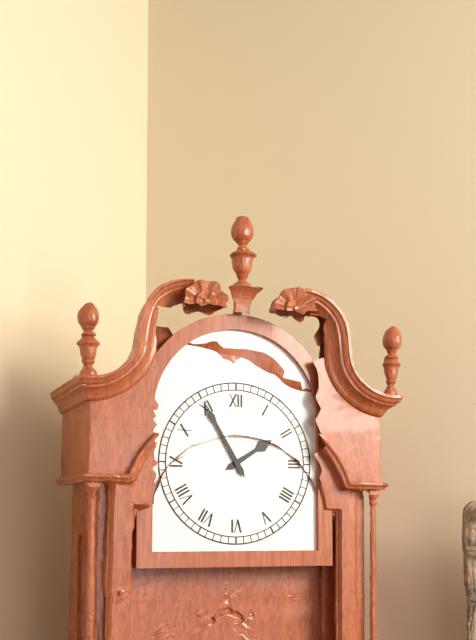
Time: {"hour": 1, "minute": 55}
